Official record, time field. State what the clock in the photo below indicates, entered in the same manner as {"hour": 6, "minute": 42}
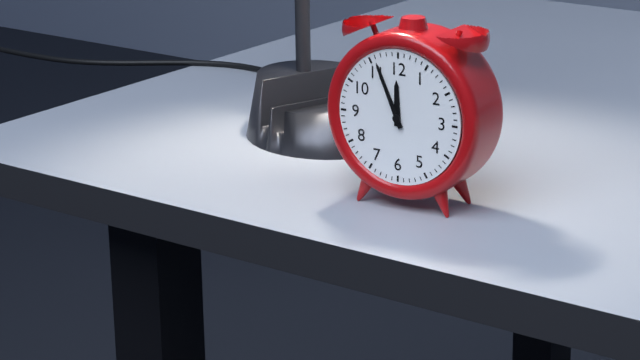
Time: {"hour": 11, "minute": 56}
